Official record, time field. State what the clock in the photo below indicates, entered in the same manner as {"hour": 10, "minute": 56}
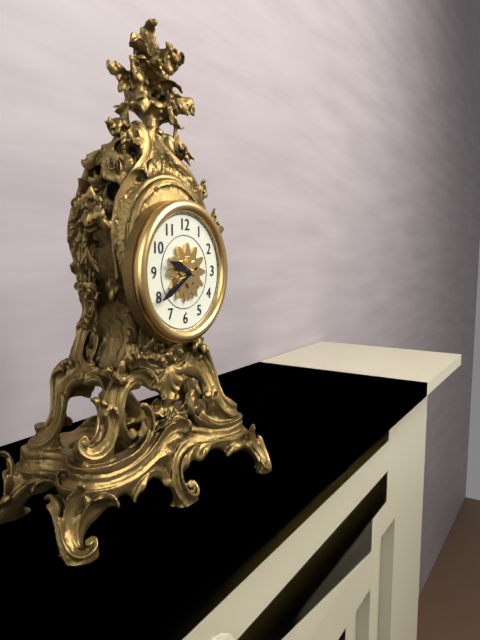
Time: {"hour": 9, "minute": 40}
